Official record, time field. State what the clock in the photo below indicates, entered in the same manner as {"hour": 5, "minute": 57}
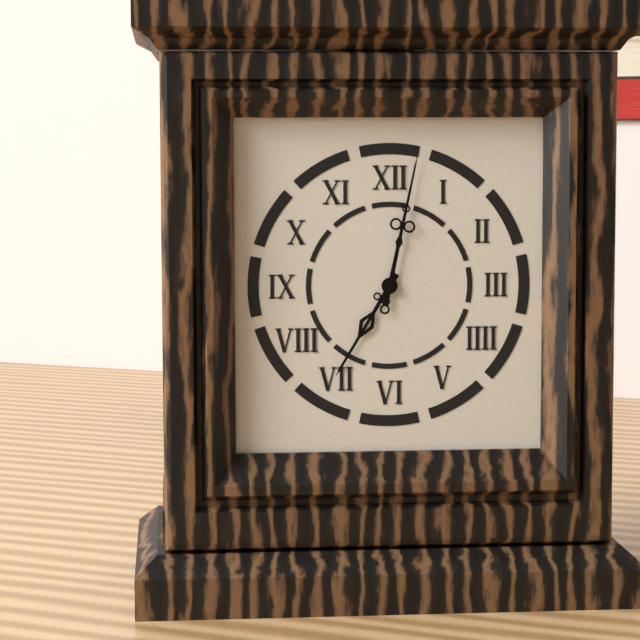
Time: {"hour": 7, "minute": 2}
